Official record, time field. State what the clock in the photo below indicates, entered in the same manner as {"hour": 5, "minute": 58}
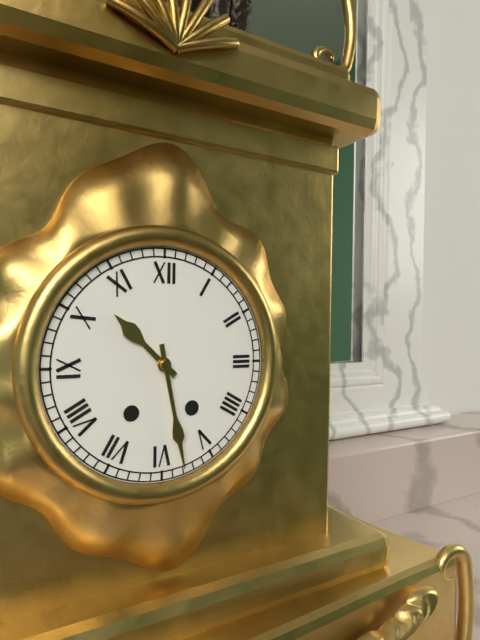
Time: {"hour": 10, "minute": 28}
